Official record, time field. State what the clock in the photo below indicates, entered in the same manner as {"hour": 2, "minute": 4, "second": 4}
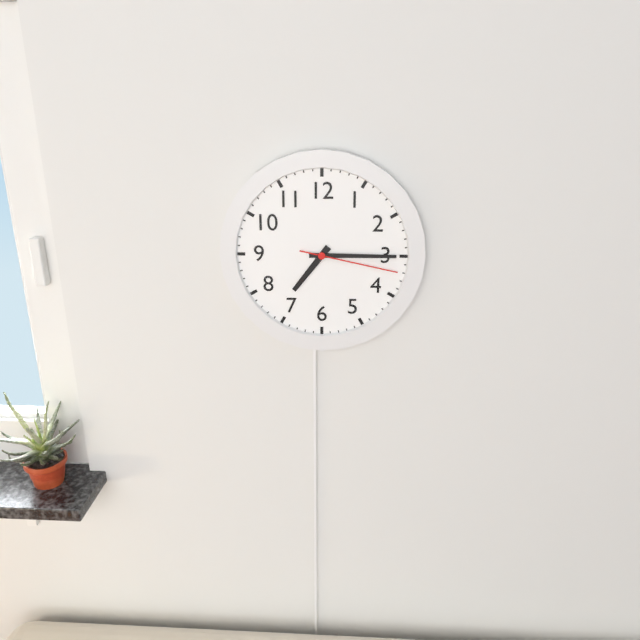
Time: {"hour": 7, "minute": 15, "second": 17}
